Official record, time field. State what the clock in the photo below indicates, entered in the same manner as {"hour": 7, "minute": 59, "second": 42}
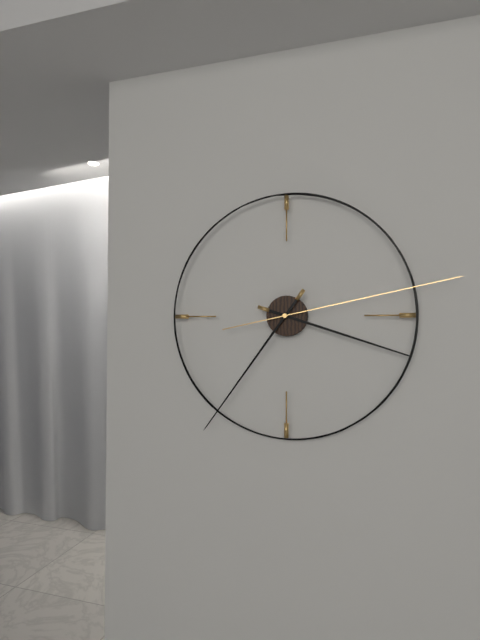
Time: {"hour": 3, "minute": 36, "second": 13}
